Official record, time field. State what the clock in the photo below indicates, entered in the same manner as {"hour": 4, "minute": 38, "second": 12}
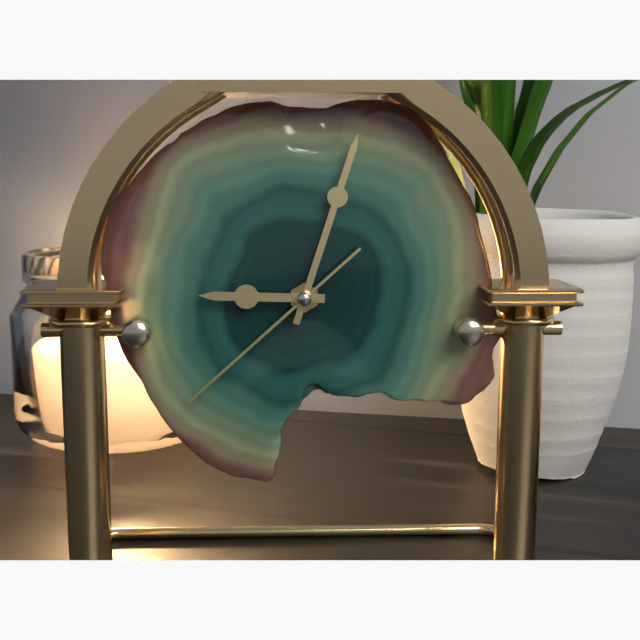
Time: {"hour": 9, "minute": 3, "second": 38}
